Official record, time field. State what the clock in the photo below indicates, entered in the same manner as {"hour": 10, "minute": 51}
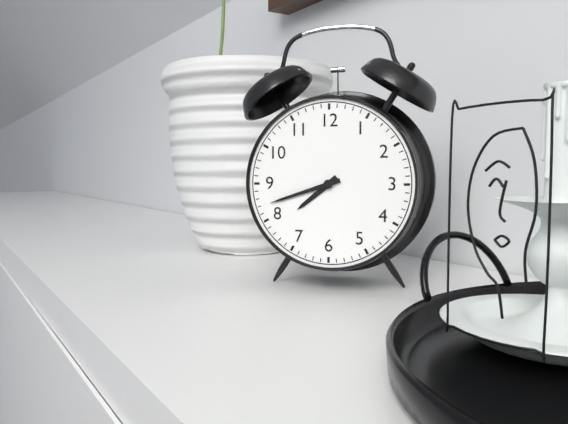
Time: {"hour": 7, "minute": 42}
